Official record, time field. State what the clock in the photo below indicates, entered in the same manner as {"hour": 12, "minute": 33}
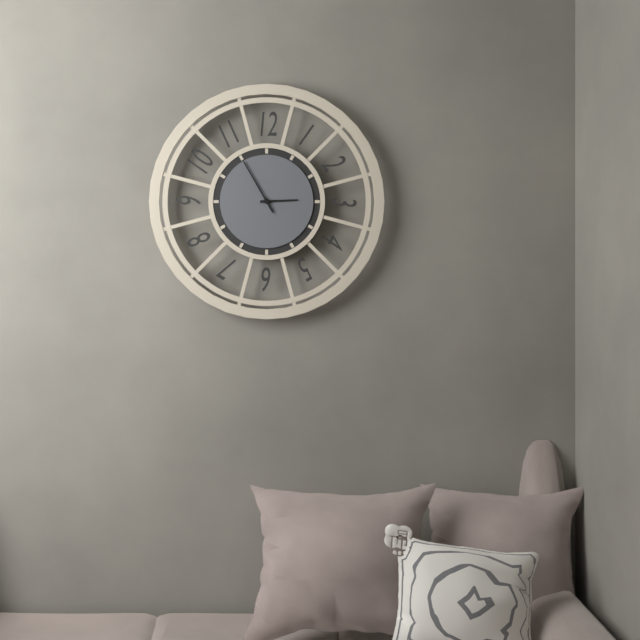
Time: {"hour": 2, "minute": 55}
